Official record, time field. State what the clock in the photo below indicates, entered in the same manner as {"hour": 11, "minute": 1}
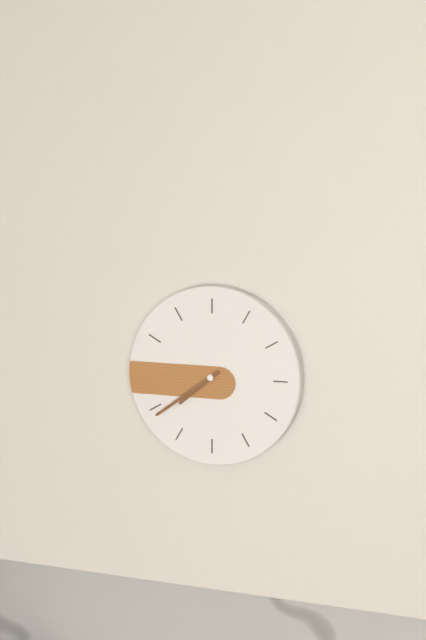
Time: {"hour": 7, "minute": 39}
